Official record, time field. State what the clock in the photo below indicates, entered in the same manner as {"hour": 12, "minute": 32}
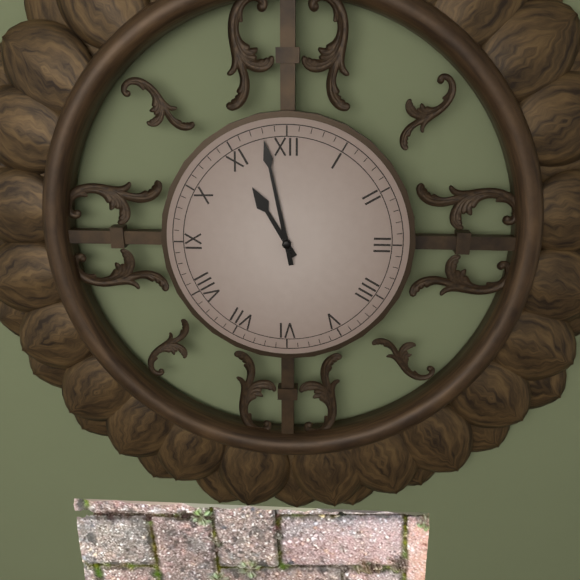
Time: {"hour": 10, "minute": 58}
